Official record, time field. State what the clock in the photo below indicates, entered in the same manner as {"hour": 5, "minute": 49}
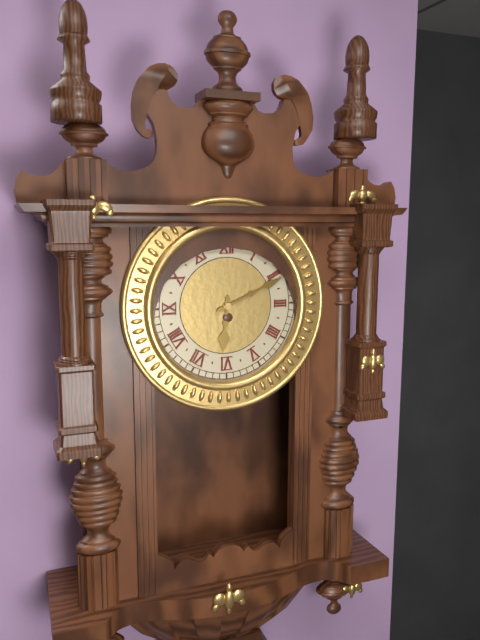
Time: {"hour": 6, "minute": 11}
